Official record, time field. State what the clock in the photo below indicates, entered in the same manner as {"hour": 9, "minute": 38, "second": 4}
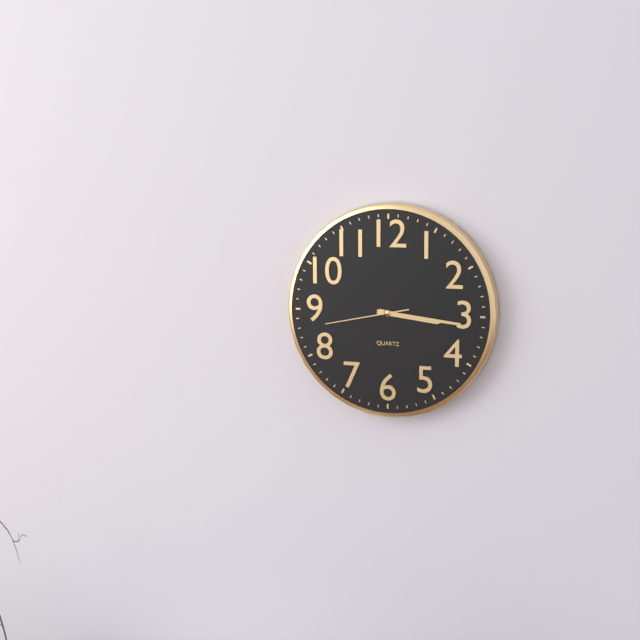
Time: {"hour": 3, "minute": 16, "second": 43}
